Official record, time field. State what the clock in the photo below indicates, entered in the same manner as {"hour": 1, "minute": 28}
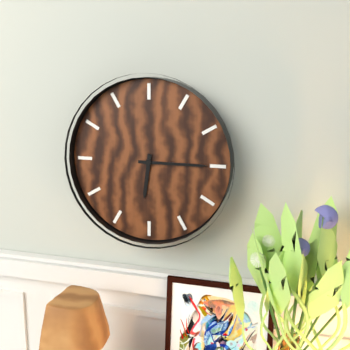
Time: {"hour": 6, "minute": 15}
